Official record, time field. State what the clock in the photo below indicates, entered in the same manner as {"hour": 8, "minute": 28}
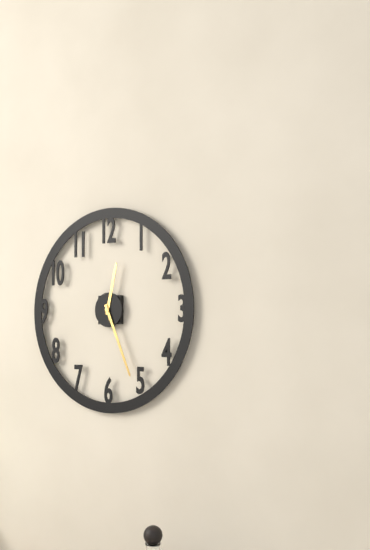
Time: {"hour": 12, "minute": 26}
